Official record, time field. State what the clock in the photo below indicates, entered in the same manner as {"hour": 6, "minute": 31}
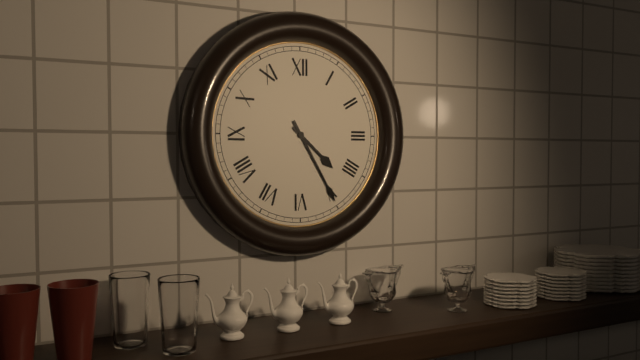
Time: {"hour": 4, "minute": 25}
